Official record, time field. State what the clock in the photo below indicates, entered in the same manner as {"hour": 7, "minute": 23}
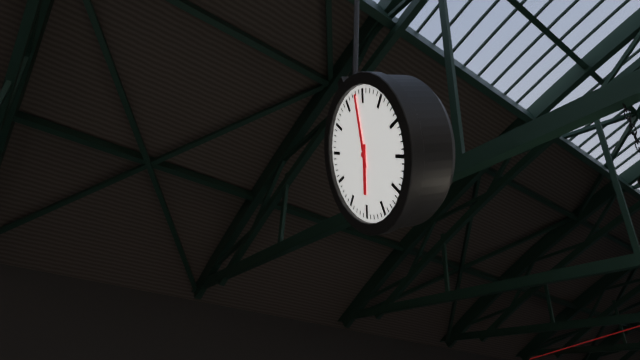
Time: {"hour": 7, "minute": 3}
